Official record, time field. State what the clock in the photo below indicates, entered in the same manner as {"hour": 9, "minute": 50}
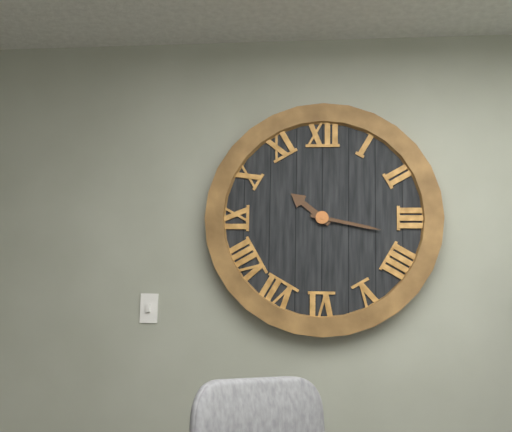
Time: {"hour": 10, "minute": 17}
